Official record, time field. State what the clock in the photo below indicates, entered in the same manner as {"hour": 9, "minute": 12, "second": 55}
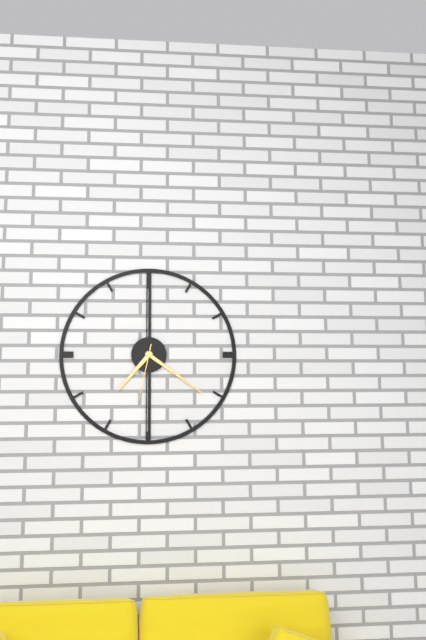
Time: {"hour": 7, "minute": 21, "second": 32}
